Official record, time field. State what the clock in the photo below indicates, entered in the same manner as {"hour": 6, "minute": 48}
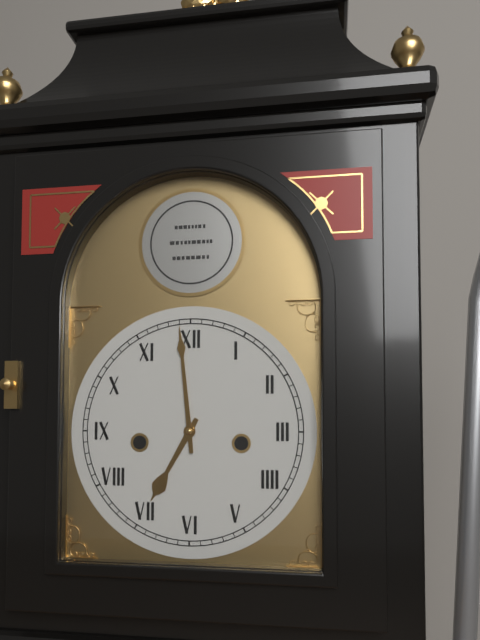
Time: {"hour": 6, "minute": 59}
